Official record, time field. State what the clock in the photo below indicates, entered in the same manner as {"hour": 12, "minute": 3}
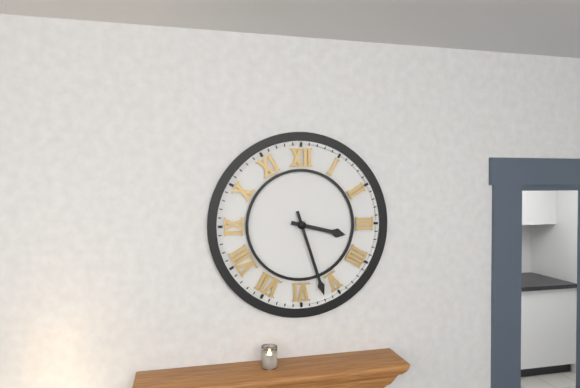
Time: {"hour": 3, "minute": 27}
